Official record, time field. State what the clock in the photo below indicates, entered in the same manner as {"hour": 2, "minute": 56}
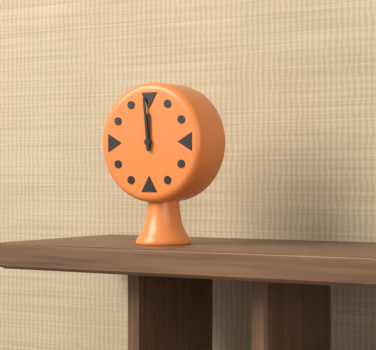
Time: {"hour": 11, "minute": 59}
